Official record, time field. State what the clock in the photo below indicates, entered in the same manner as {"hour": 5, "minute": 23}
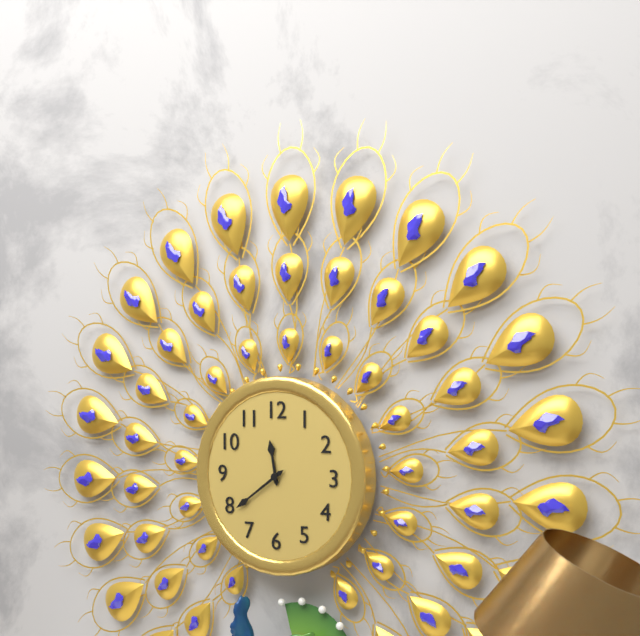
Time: {"hour": 11, "minute": 39}
